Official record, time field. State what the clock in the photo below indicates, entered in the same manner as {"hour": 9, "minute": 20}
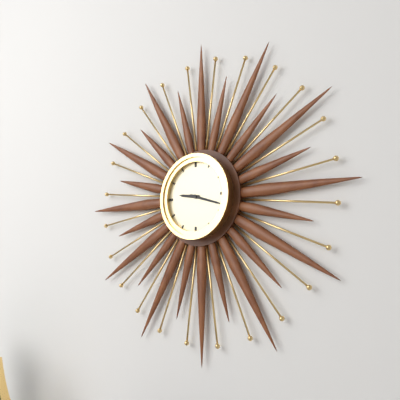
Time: {"hour": 9, "minute": 18}
